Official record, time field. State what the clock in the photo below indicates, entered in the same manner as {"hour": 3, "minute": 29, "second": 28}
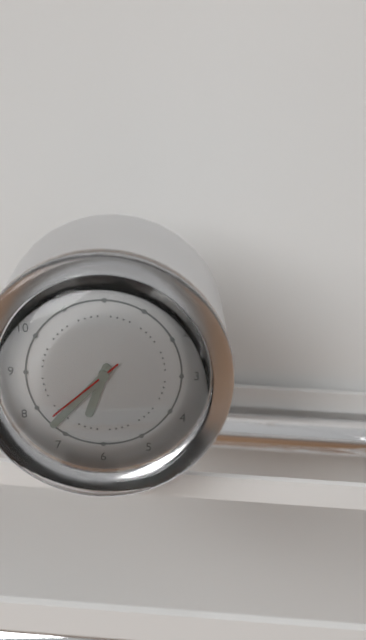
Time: {"hour": 6, "minute": 37, "second": 38}
